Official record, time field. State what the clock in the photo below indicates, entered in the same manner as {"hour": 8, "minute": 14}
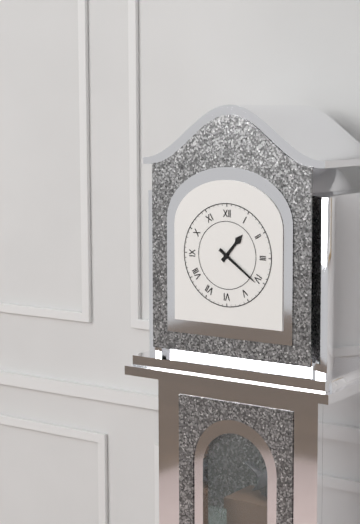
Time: {"hour": 1, "minute": 21}
